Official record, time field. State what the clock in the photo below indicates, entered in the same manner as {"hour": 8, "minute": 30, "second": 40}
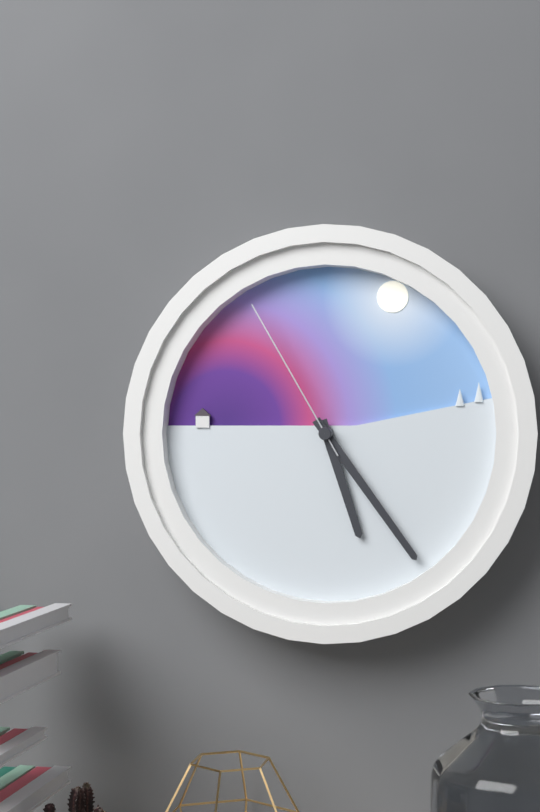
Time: {"hour": 5, "minute": 24, "second": 55}
